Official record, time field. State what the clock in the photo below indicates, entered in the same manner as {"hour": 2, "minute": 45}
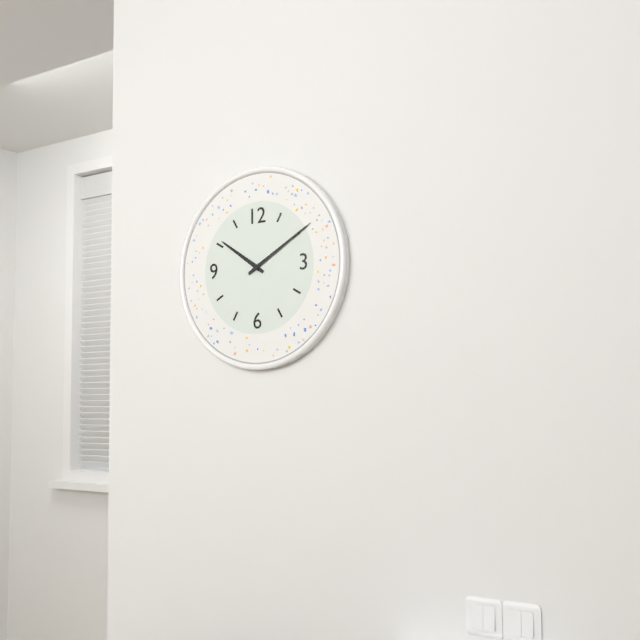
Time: {"hour": 10, "minute": 10}
